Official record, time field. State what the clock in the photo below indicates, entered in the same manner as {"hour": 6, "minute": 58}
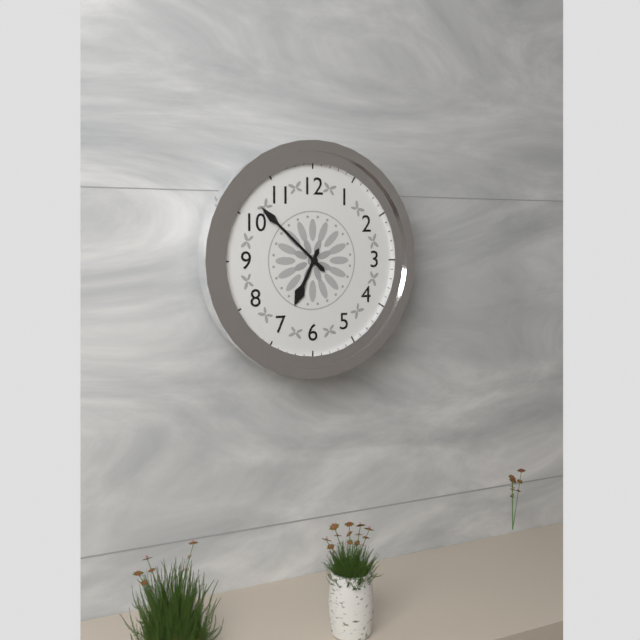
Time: {"hour": 6, "minute": 52}
